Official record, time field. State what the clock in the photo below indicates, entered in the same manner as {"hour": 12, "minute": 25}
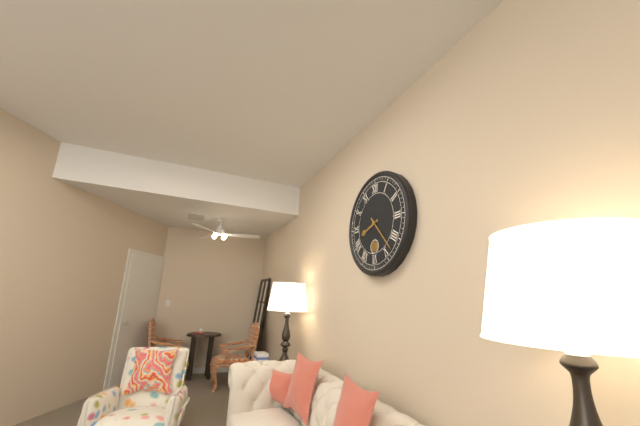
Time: {"hour": 8, "minute": 23}
